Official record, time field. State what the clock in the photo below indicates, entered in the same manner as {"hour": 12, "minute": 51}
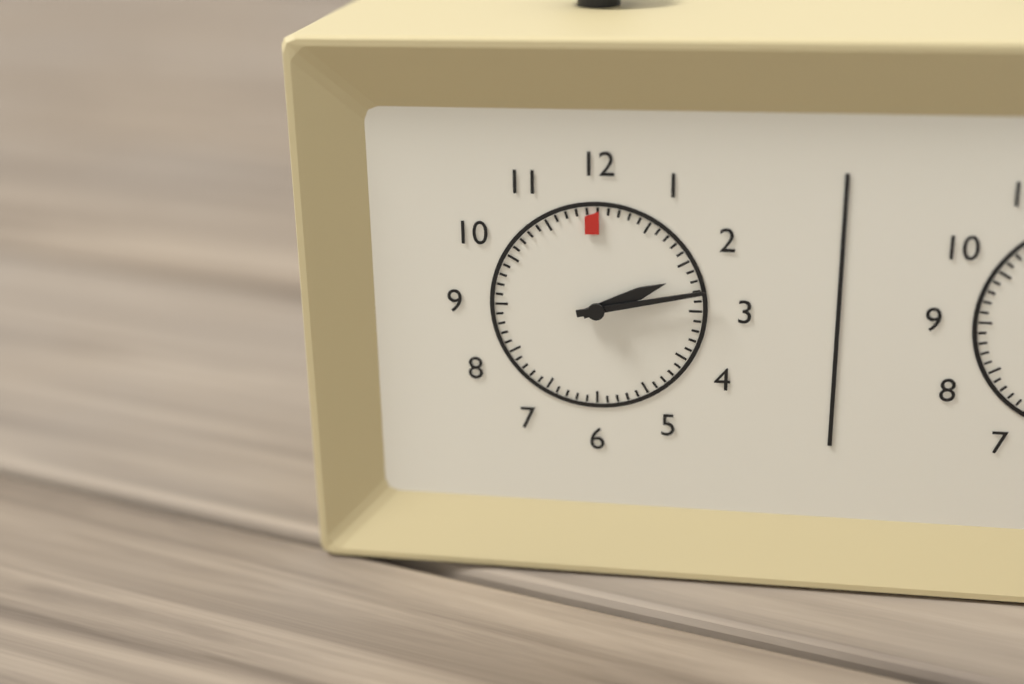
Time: {"hour": 2, "minute": 13}
